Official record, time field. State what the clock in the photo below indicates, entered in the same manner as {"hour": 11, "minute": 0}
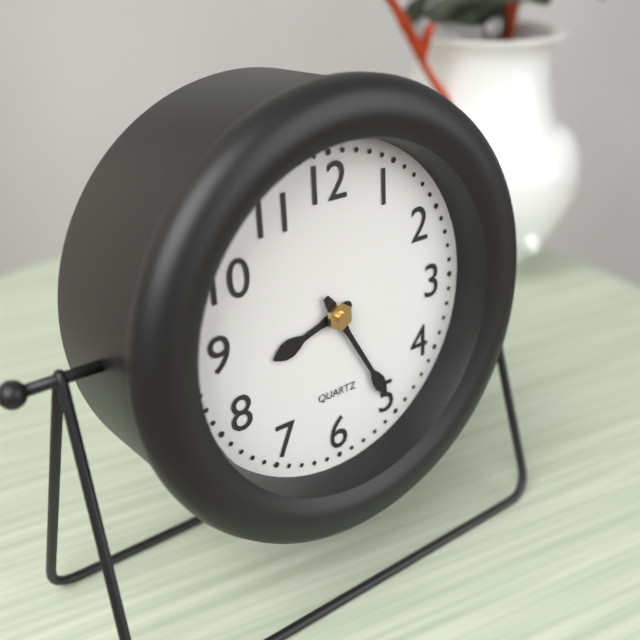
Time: {"hour": 8, "minute": 25}
